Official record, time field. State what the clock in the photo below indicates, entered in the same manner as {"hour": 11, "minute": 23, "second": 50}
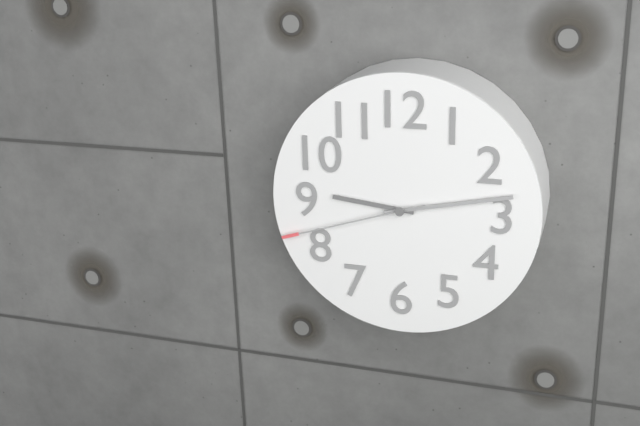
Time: {"hour": 9, "minute": 13, "second": 42}
